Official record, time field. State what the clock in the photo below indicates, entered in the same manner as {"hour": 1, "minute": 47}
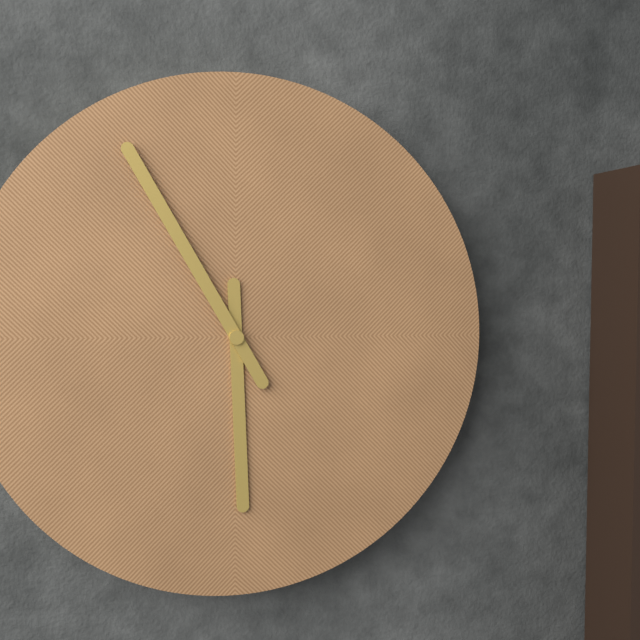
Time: {"hour": 5, "minute": 55}
